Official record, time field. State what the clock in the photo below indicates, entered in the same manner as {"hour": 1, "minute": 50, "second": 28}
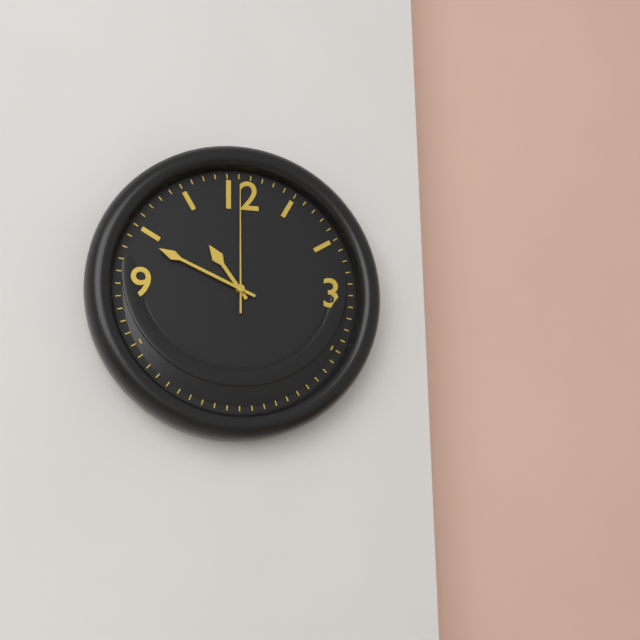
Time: {"hour": 10, "minute": 49, "second": 0}
